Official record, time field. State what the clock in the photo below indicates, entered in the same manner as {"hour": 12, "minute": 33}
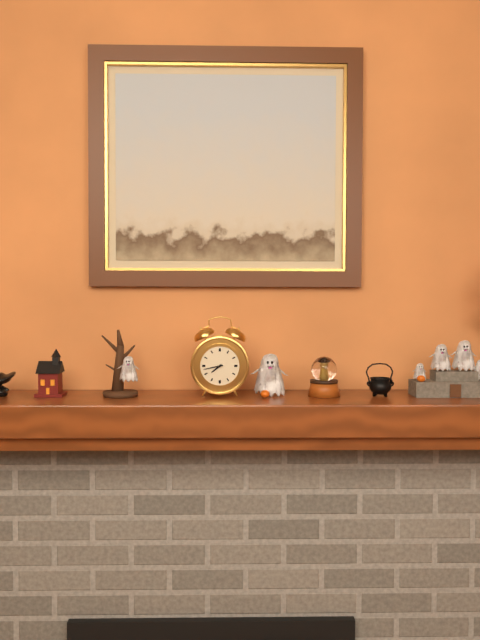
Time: {"hour": 7, "minute": 43}
